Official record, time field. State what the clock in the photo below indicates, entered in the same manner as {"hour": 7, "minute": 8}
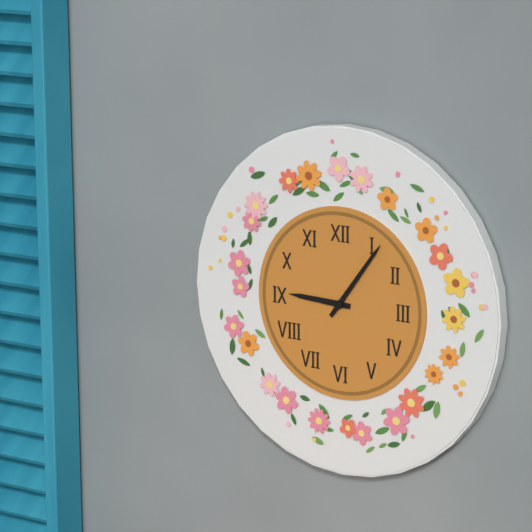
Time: {"hour": 9, "minute": 6}
